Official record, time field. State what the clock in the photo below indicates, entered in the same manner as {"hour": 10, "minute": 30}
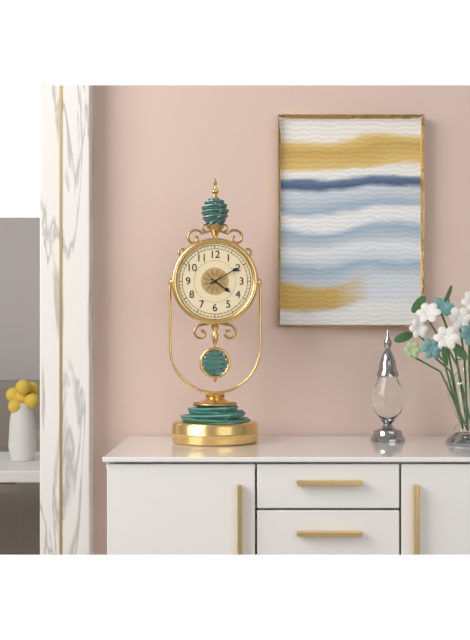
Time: {"hour": 4, "minute": 10}
